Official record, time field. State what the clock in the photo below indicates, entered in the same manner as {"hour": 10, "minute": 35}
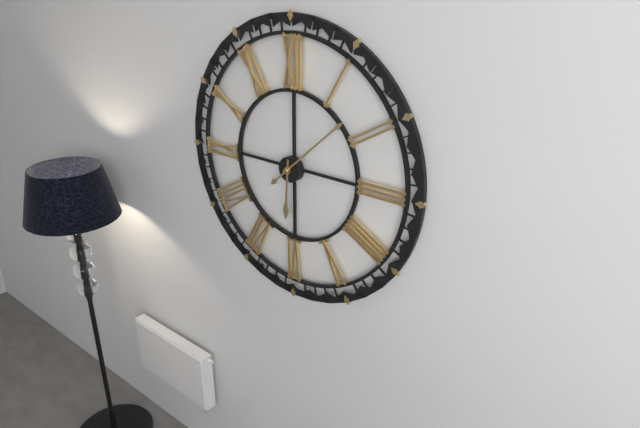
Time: {"hour": 6, "minute": 8}
